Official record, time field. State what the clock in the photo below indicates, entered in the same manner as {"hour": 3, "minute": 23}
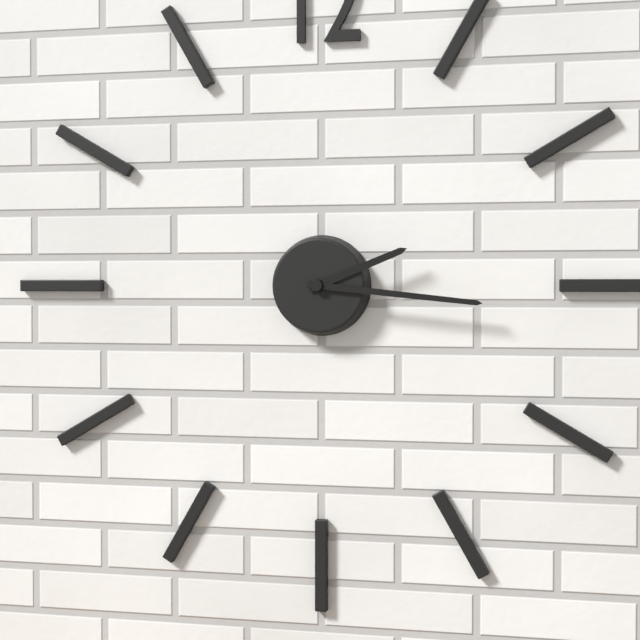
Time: {"hour": 2, "minute": 16}
